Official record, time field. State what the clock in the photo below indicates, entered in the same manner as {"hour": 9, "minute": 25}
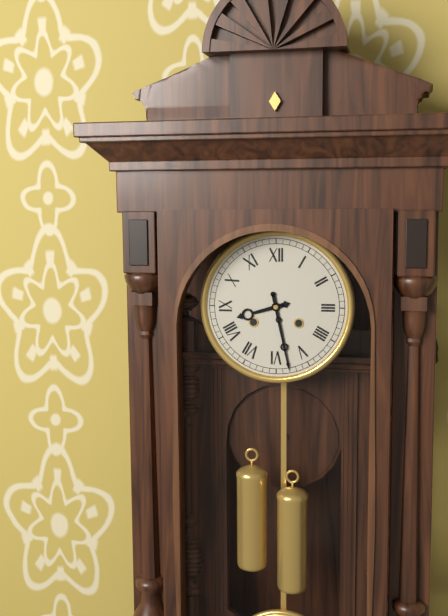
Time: {"hour": 8, "minute": 28}
